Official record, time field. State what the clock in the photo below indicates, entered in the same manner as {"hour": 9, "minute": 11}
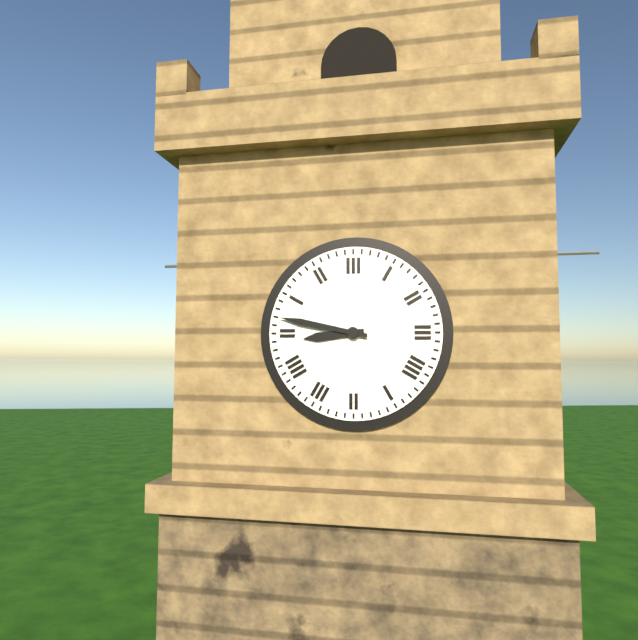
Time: {"hour": 8, "minute": 47}
